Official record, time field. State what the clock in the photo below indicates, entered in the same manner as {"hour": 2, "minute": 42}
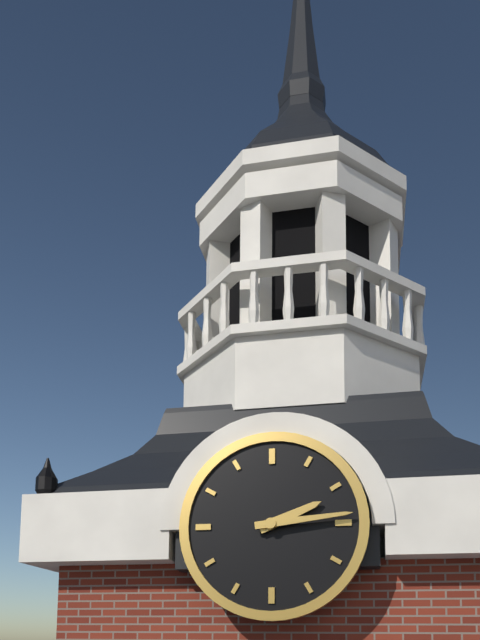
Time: {"hour": 2, "minute": 14}
